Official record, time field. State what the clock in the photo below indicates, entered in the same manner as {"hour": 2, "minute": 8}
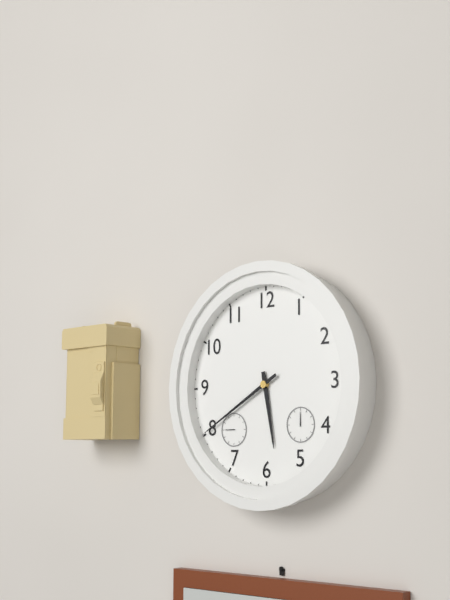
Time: {"hour": 5, "minute": 40}
